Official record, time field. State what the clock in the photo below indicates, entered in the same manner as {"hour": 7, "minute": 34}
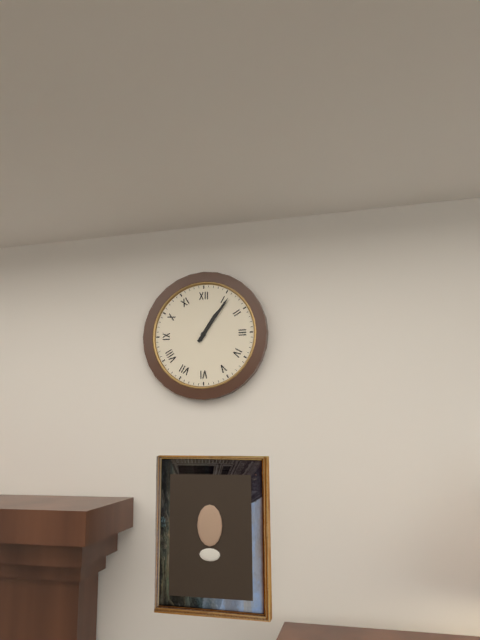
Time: {"hour": 1, "minute": 6}
